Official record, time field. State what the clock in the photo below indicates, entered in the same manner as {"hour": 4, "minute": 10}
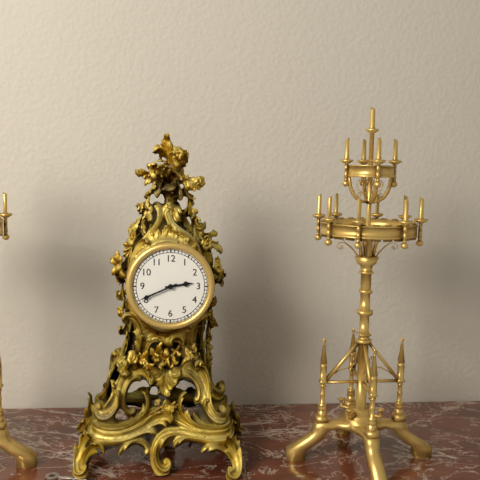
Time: {"hour": 2, "minute": 41}
